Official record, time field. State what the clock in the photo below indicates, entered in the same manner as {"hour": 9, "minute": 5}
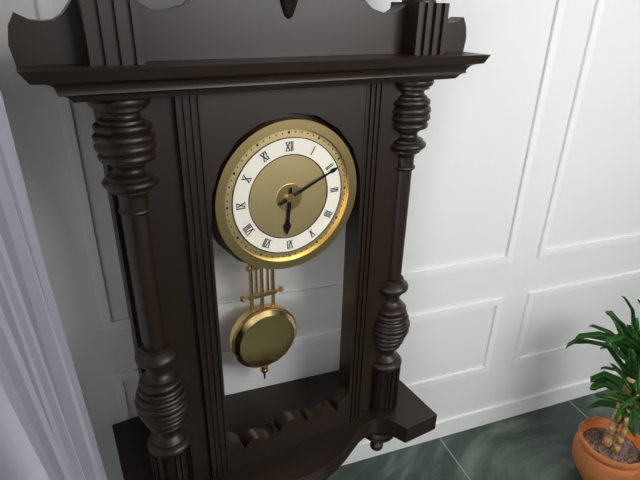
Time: {"hour": 6, "minute": 11}
